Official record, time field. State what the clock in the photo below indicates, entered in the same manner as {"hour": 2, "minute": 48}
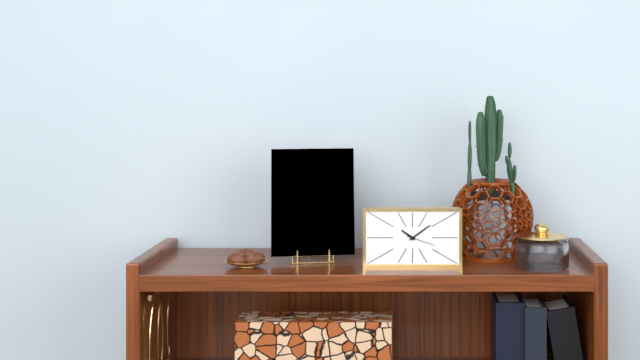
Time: {"hour": 10, "minute": 9}
